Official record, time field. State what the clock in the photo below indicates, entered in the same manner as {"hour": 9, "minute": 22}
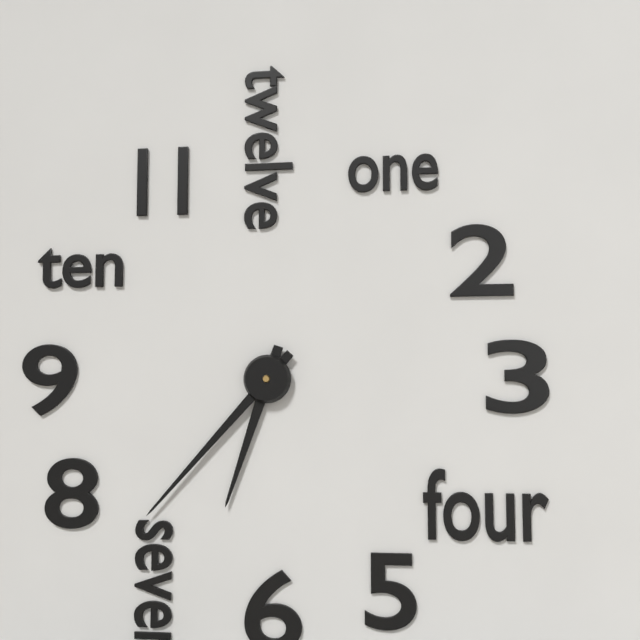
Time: {"hour": 6, "minute": 37}
